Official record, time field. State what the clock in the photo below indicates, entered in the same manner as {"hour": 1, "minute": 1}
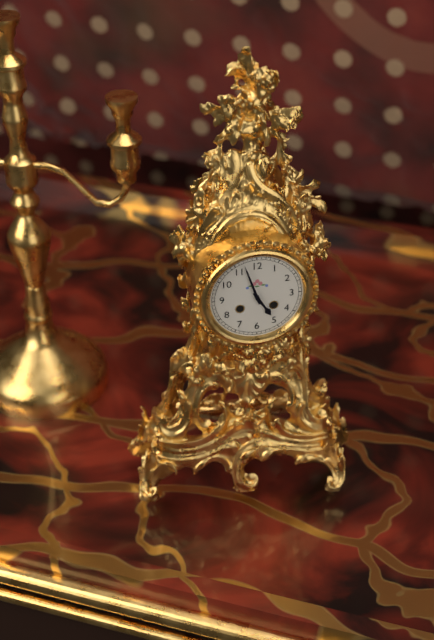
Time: {"hour": 4, "minute": 57}
